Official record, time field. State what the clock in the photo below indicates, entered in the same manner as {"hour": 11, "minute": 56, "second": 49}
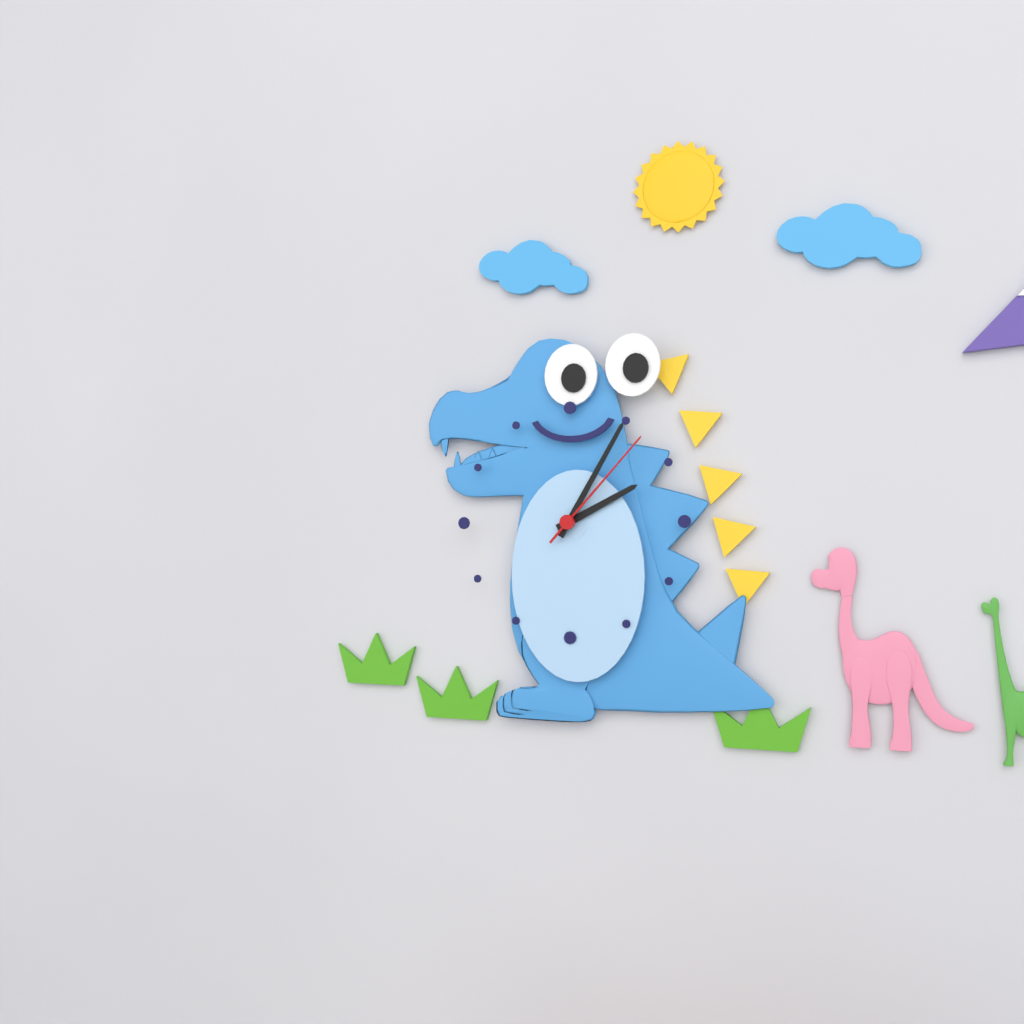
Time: {"hour": 2, "minute": 5, "second": 7}
